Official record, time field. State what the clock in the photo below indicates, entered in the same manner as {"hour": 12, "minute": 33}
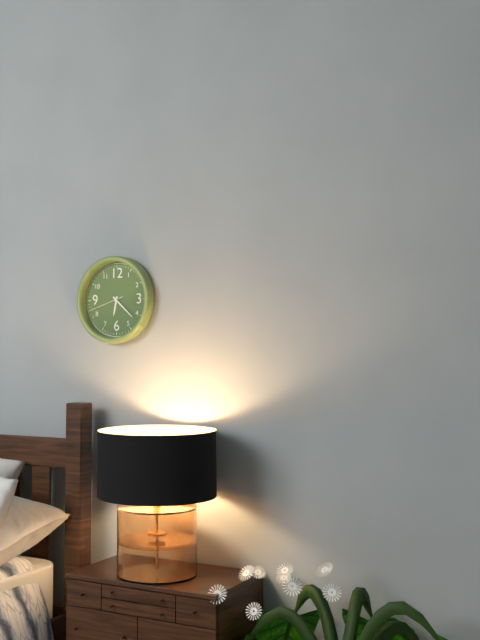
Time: {"hour": 6, "minute": 22}
